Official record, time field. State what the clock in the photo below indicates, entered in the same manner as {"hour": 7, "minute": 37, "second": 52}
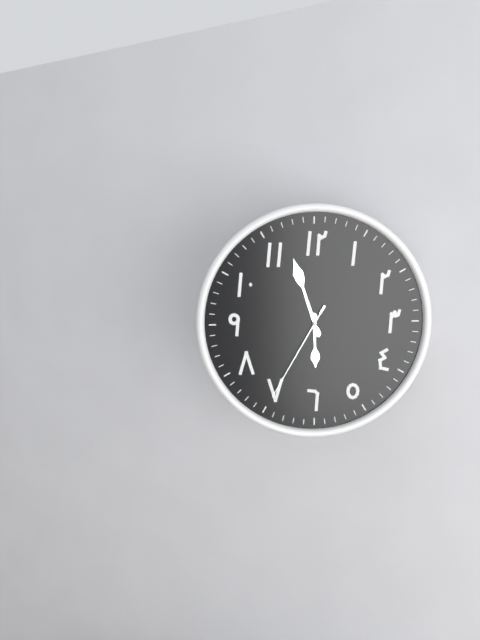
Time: {"hour": 5, "minute": 57, "second": 35}
